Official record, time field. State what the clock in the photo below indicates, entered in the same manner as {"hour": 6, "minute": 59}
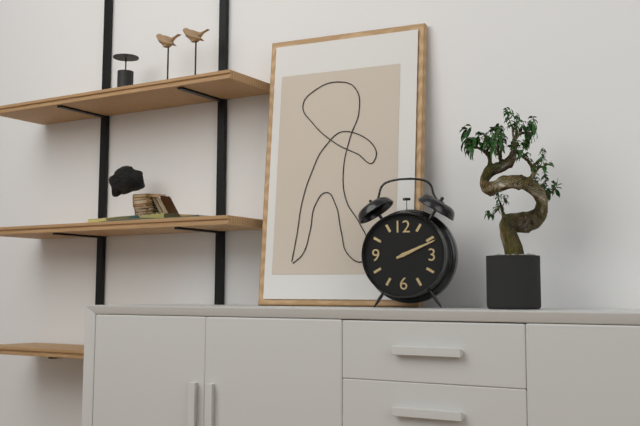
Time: {"hour": 2, "minute": 11}
